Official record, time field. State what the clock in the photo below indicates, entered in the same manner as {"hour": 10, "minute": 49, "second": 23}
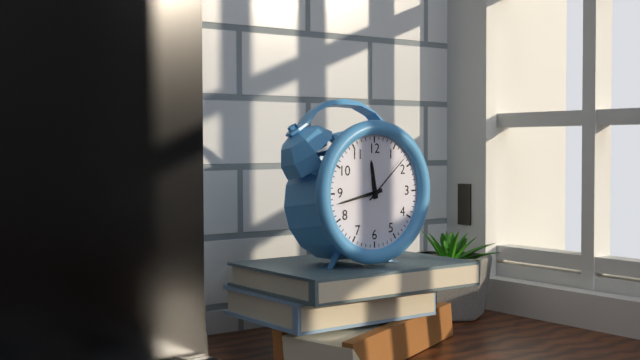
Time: {"hour": 11, "minute": 43, "second": 8}
